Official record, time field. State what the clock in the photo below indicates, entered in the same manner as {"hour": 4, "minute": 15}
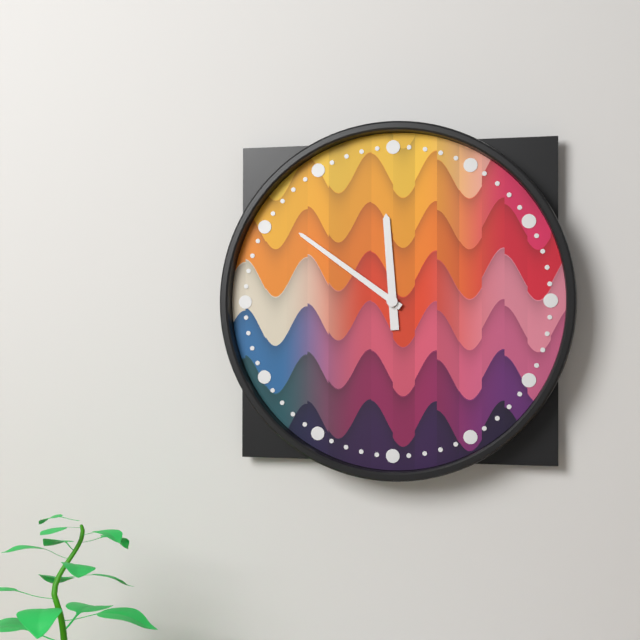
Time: {"hour": 11, "minute": 51}
